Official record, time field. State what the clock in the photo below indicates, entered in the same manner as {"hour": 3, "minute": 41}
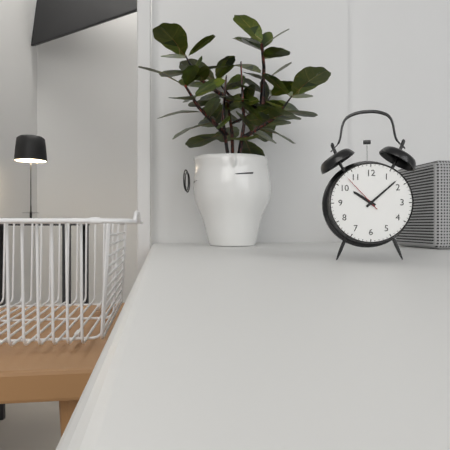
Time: {"hour": 10, "minute": 8}
